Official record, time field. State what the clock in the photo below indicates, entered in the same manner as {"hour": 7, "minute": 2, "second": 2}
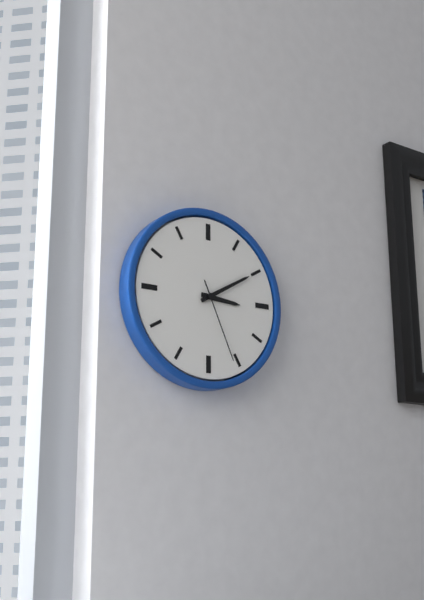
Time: {"hour": 3, "minute": 10, "second": 26}
